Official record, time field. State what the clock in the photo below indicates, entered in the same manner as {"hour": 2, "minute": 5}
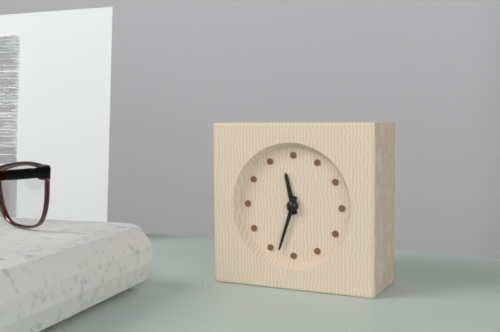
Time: {"hour": 11, "minute": 33}
